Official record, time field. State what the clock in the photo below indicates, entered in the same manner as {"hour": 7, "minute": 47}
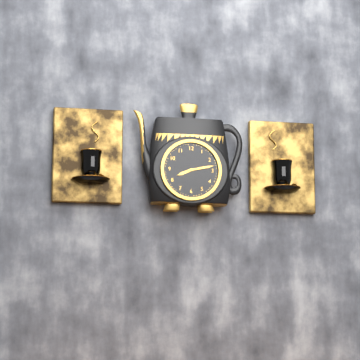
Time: {"hour": 8, "minute": 13}
